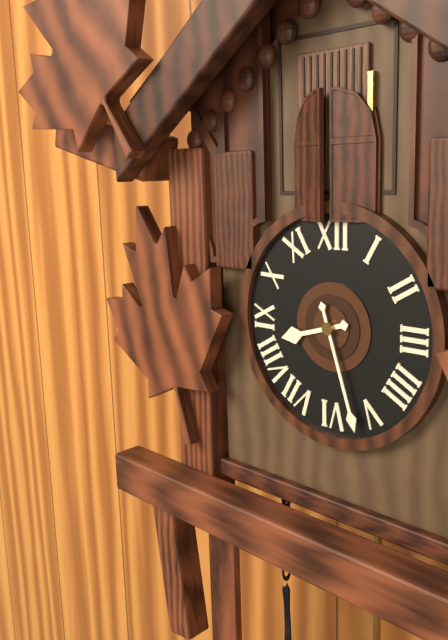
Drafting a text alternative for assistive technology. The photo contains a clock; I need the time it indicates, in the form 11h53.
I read 8h27
